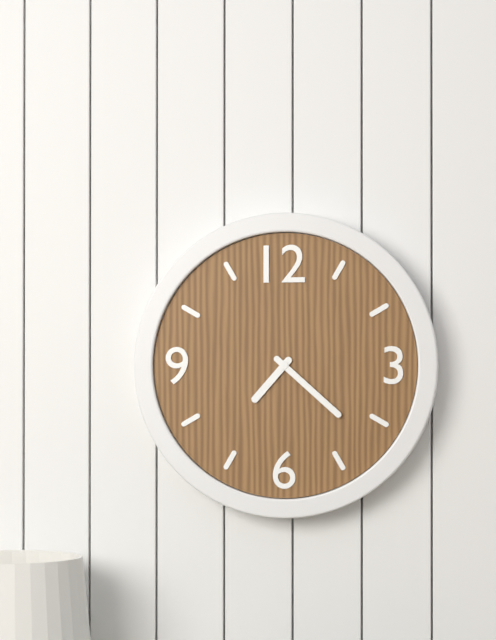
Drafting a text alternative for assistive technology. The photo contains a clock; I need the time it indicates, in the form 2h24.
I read 7h22
